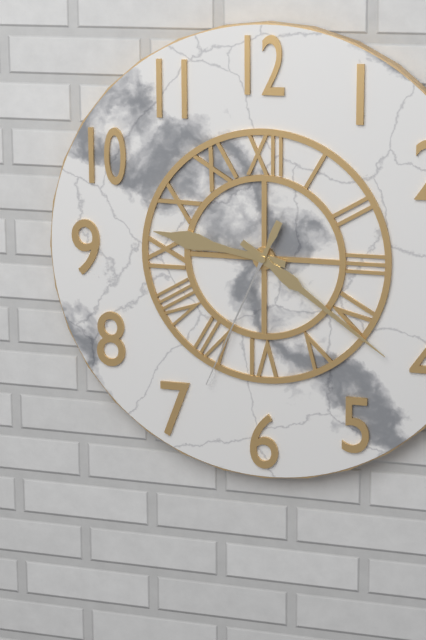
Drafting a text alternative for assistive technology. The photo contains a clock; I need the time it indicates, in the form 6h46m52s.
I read 9h21m34s
